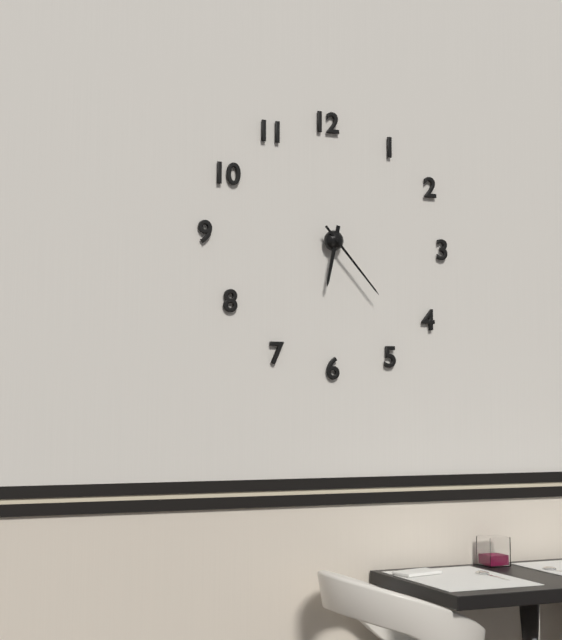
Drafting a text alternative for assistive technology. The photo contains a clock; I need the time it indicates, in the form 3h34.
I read 6h23
